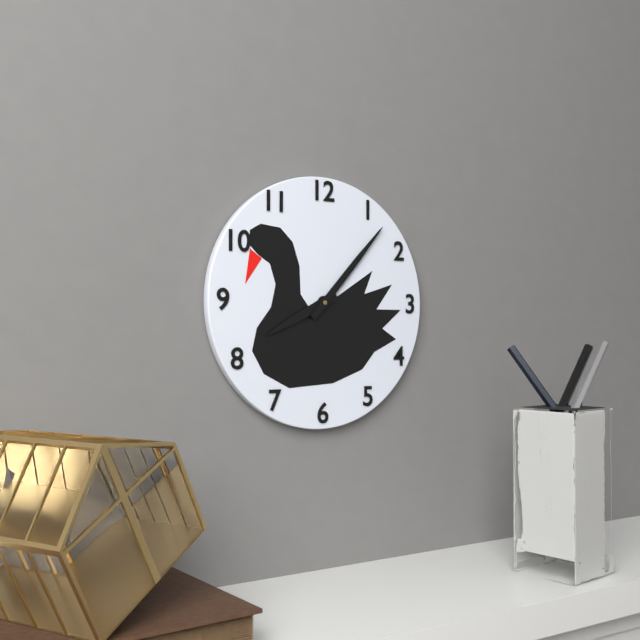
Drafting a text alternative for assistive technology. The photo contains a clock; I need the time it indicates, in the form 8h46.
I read 8h07
